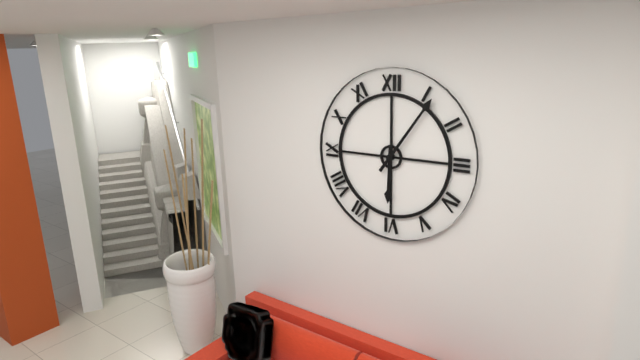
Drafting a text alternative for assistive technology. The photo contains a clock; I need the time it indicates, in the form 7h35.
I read 6h06
